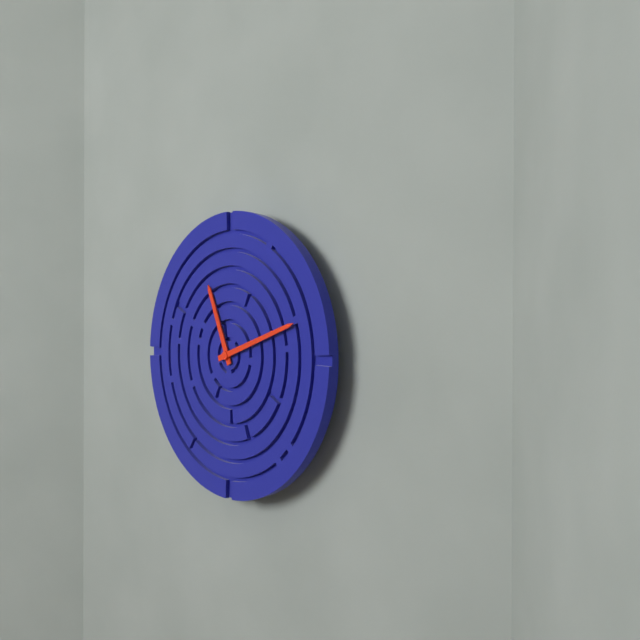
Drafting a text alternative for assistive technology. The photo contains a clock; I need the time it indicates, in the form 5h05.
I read 11h12
